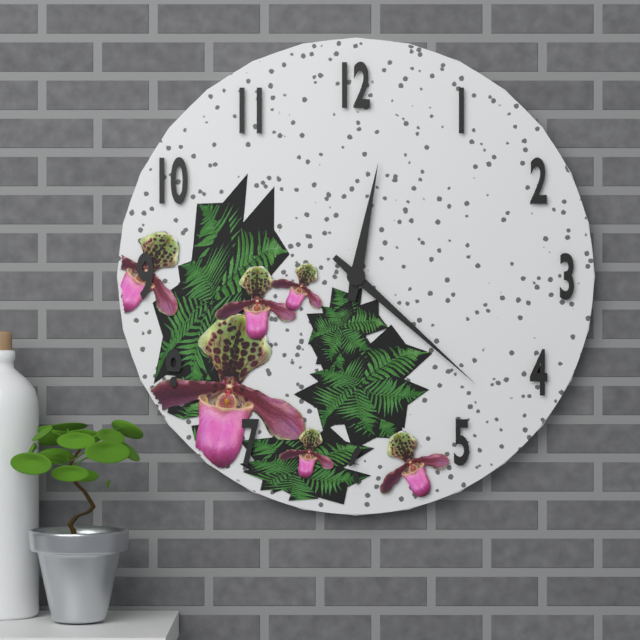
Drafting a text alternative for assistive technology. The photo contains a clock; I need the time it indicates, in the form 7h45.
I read 12h22
